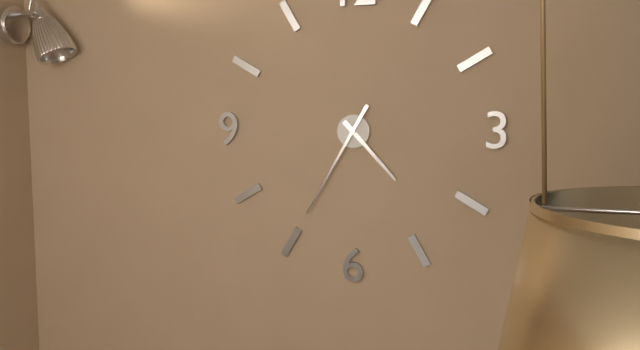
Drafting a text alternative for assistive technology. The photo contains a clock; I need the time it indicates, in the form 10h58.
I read 4h35
